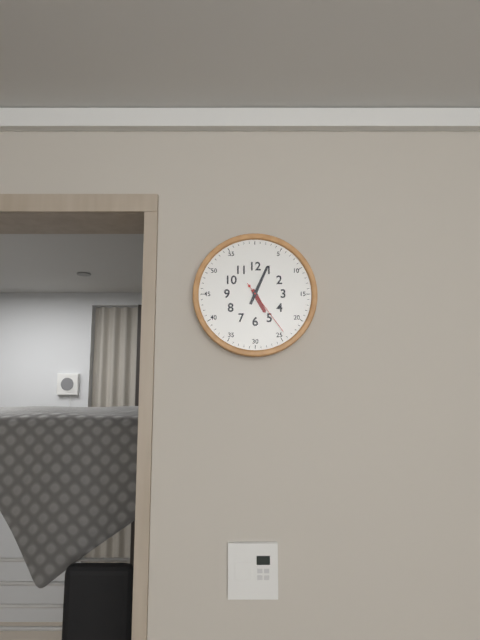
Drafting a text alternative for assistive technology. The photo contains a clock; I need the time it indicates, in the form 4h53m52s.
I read 5h04m24s
